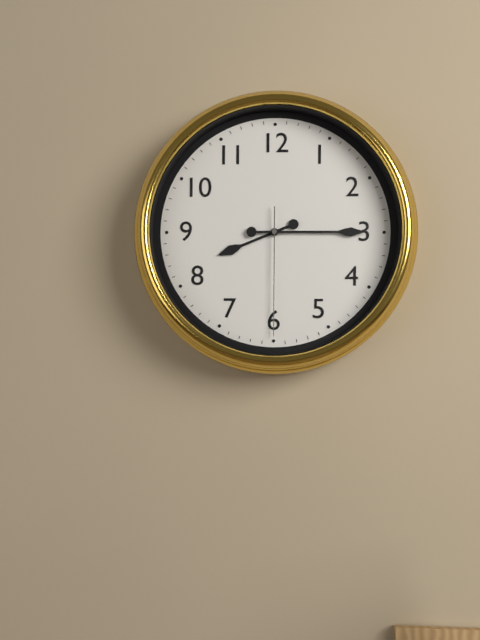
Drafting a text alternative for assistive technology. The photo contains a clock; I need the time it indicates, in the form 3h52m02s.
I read 8h15m30s
